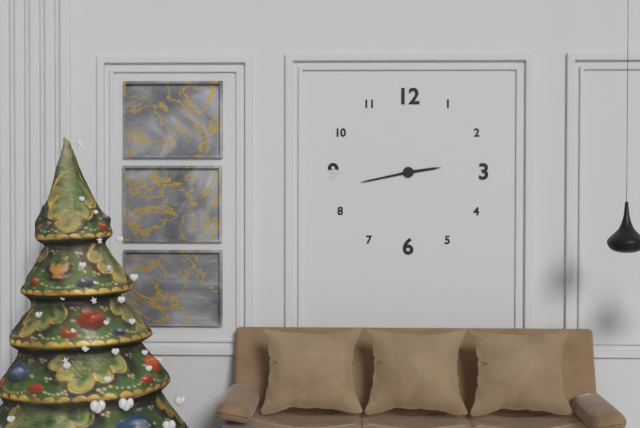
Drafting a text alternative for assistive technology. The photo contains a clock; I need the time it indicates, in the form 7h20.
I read 2h43
